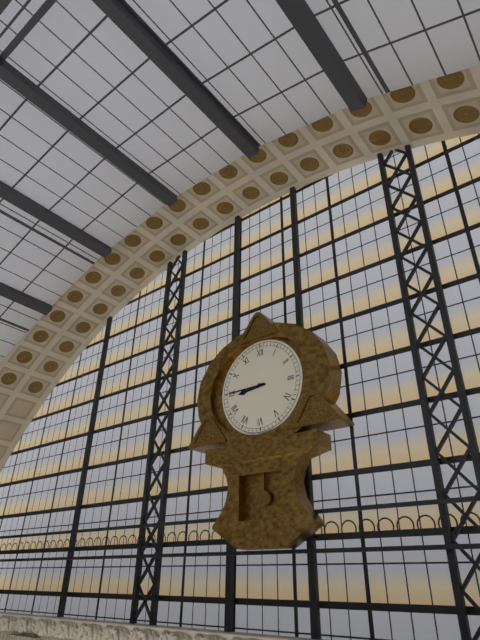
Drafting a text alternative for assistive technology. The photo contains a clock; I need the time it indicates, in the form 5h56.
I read 8h45
